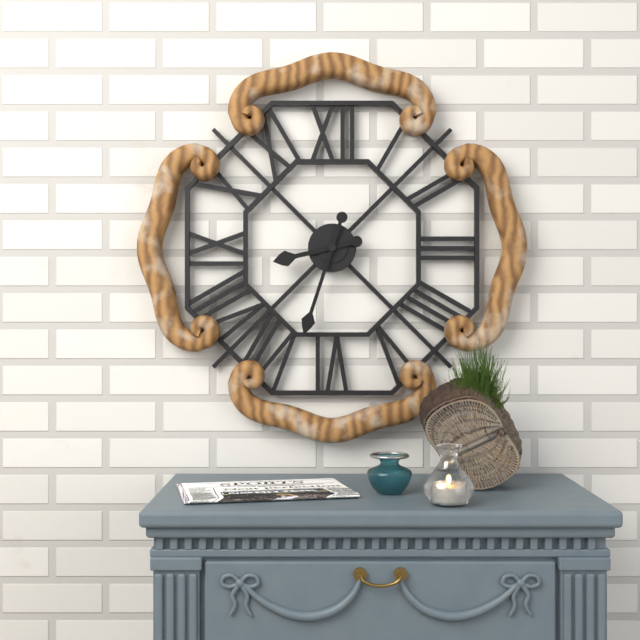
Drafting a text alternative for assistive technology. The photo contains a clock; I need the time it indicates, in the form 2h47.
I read 8h33
